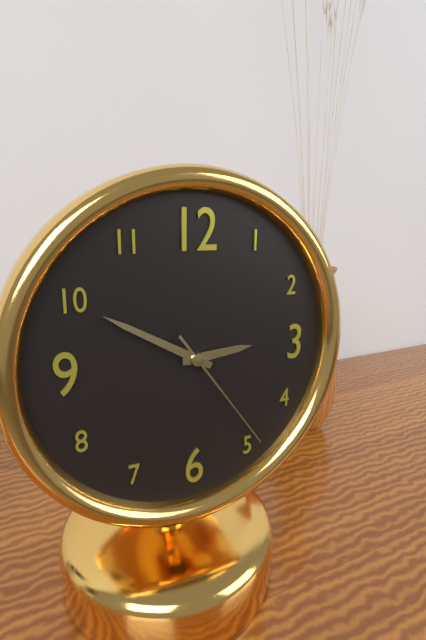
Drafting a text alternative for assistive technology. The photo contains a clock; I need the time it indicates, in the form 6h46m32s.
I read 2h50m24s
